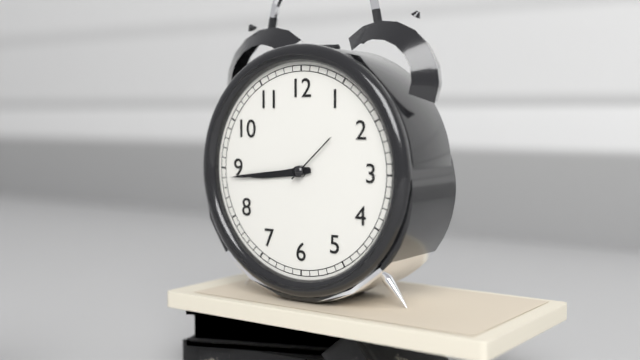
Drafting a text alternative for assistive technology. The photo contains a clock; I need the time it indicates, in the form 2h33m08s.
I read 8h44m08s
